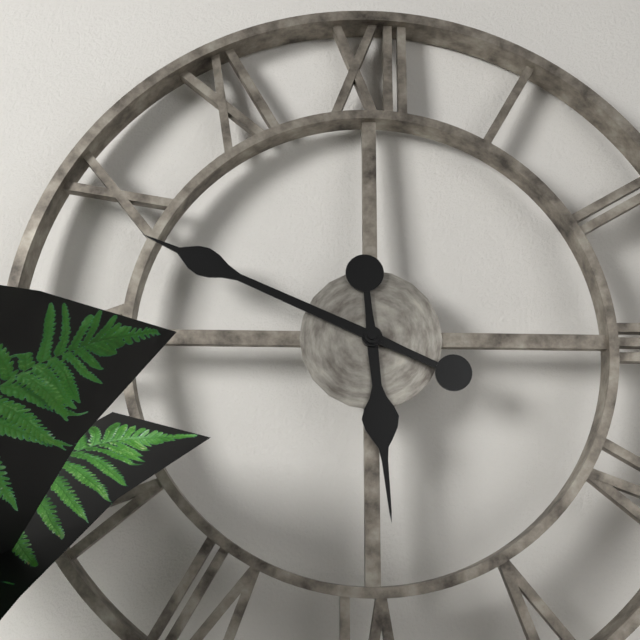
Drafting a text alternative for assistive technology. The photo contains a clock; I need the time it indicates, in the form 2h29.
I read 5h49
